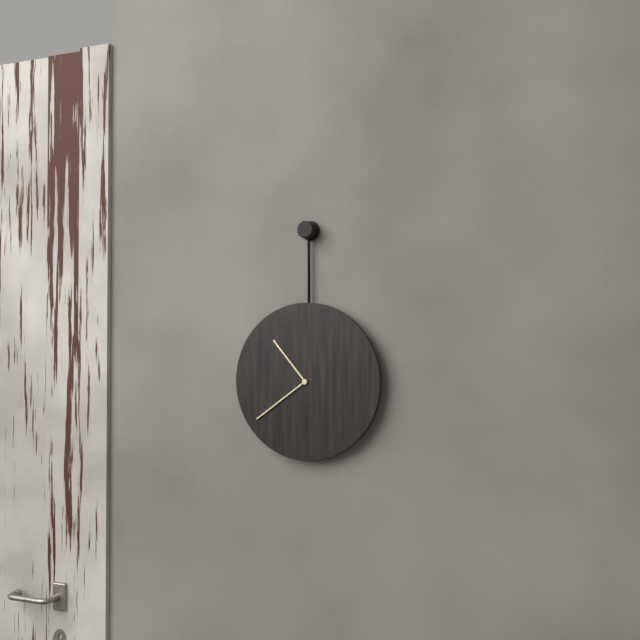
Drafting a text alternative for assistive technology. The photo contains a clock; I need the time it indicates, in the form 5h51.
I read 10h39
